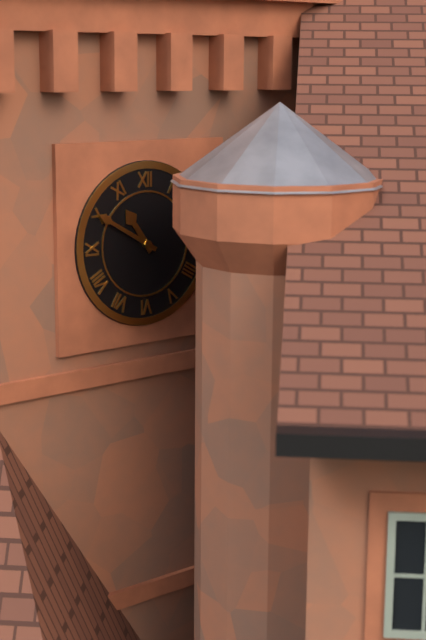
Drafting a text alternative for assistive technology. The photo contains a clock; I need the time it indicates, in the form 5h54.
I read 10h50
